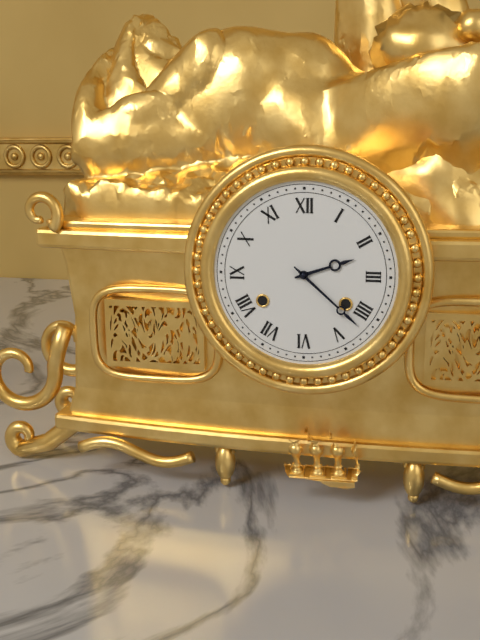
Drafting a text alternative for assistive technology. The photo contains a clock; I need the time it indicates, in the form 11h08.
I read 2h22
